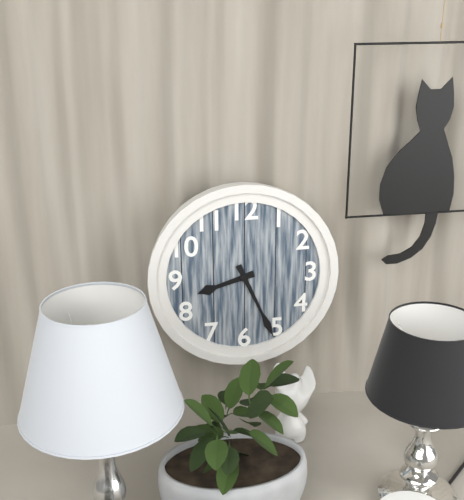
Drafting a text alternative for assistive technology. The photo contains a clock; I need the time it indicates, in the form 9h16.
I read 8h26
